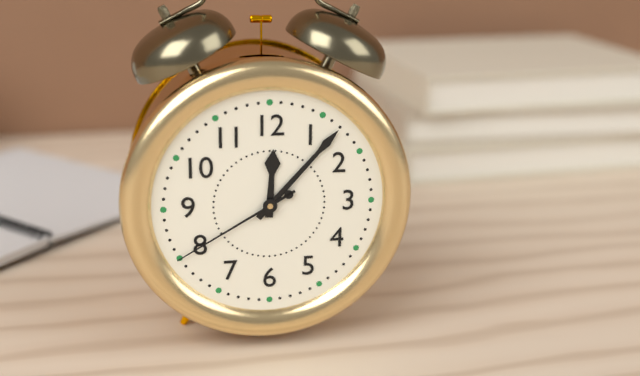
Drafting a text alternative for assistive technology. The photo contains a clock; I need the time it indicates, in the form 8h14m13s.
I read 12h07m40s
